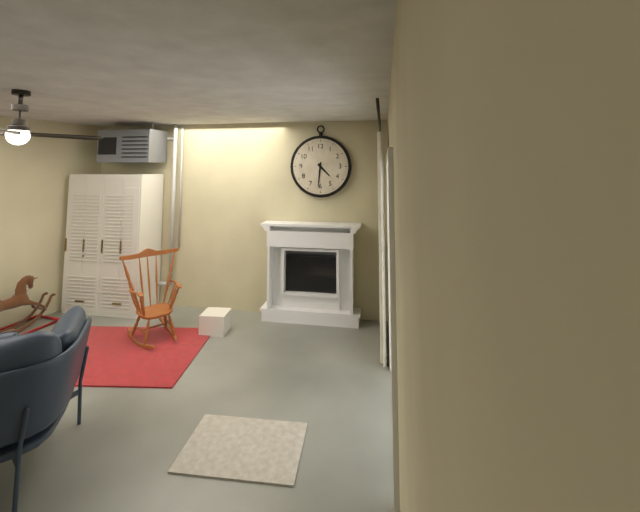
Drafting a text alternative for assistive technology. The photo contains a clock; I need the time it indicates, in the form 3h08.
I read 4h31
